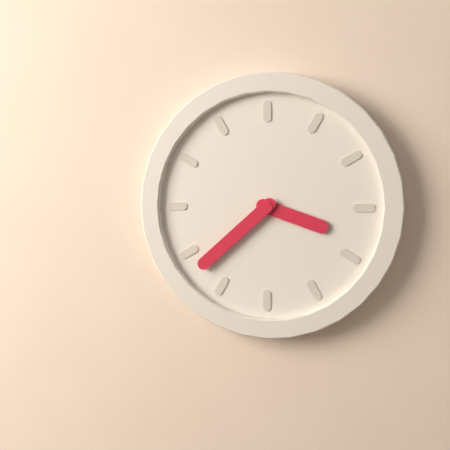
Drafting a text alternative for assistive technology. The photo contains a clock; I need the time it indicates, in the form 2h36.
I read 3h38
